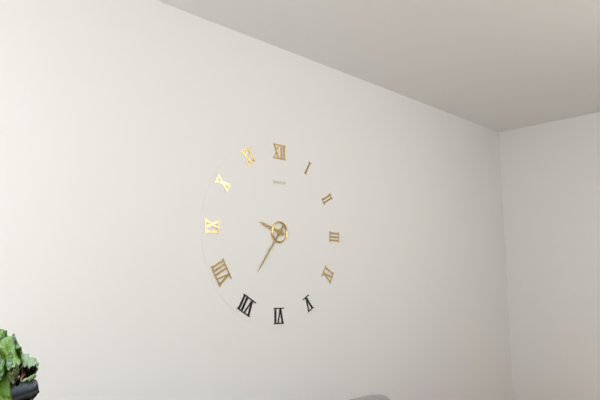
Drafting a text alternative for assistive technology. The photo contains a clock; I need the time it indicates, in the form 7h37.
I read 9h36
